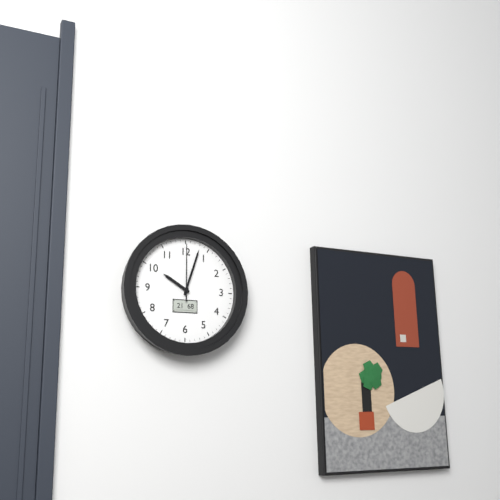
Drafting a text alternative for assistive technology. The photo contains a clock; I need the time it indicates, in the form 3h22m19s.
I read 10h03m00s
